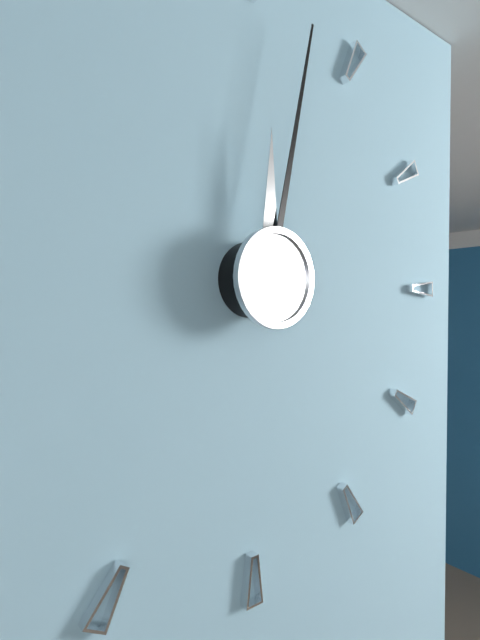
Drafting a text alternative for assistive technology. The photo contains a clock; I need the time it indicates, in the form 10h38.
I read 12h02
